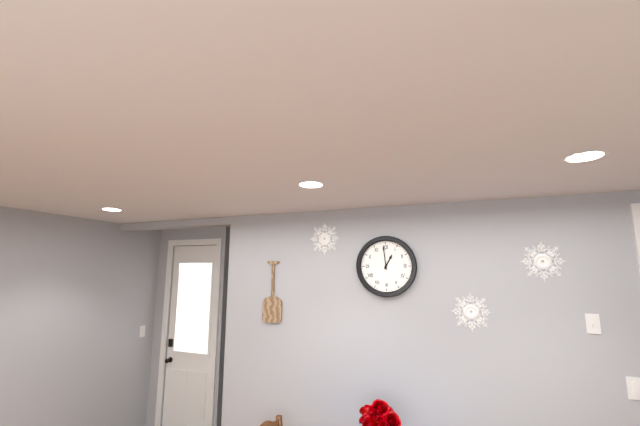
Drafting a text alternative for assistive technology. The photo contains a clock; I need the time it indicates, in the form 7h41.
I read 12h59
